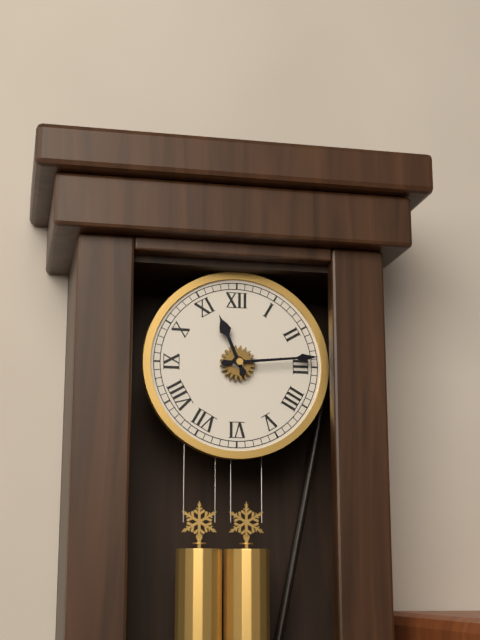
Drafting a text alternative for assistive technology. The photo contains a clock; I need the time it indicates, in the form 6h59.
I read 11h14
